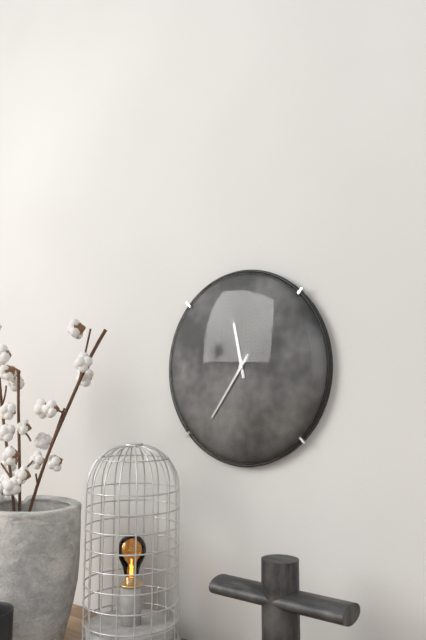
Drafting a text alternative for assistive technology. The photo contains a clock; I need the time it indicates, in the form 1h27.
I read 11h36
